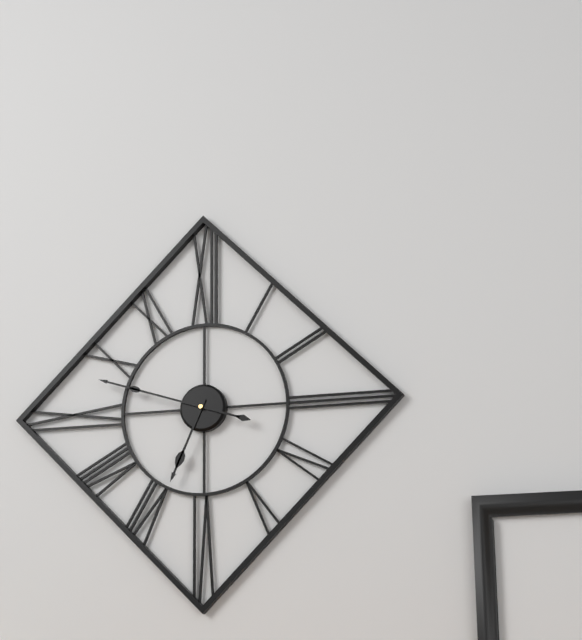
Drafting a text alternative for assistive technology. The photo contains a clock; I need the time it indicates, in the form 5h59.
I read 6h48
